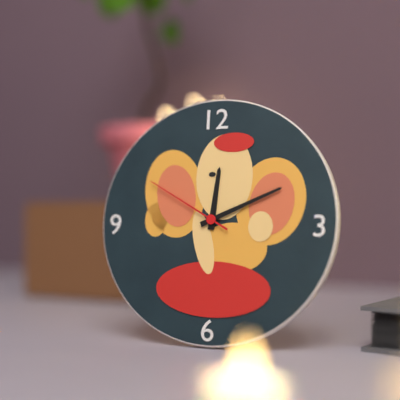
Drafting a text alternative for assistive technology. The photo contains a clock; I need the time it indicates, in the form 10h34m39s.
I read 12h11m50s
